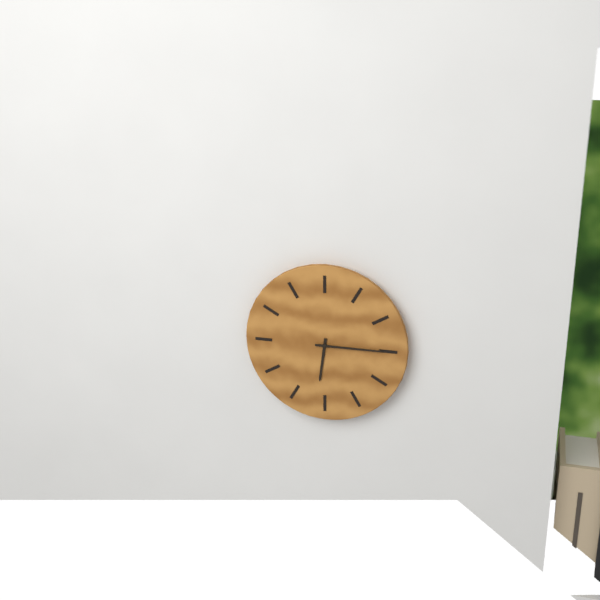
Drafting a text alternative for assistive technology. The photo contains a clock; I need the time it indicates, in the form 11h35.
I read 6h15
